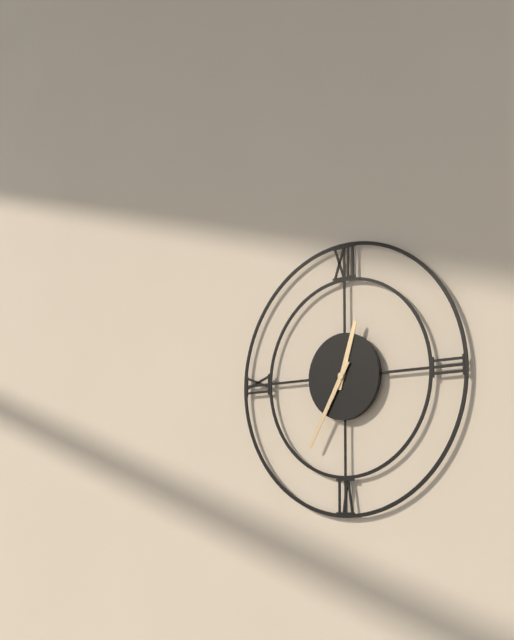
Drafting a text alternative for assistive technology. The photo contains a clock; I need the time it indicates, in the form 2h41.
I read 12h35
